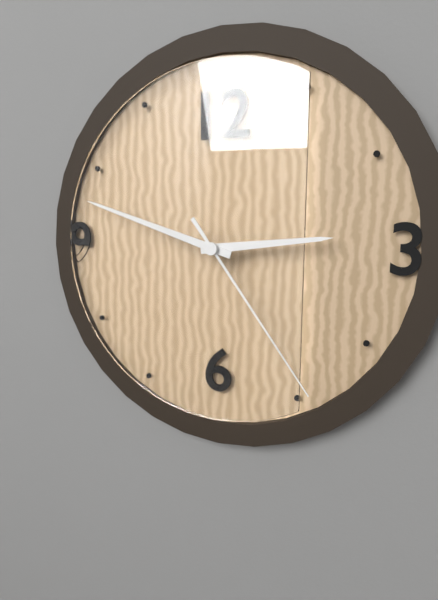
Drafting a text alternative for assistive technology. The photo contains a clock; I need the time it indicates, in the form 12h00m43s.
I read 2h48m24s
